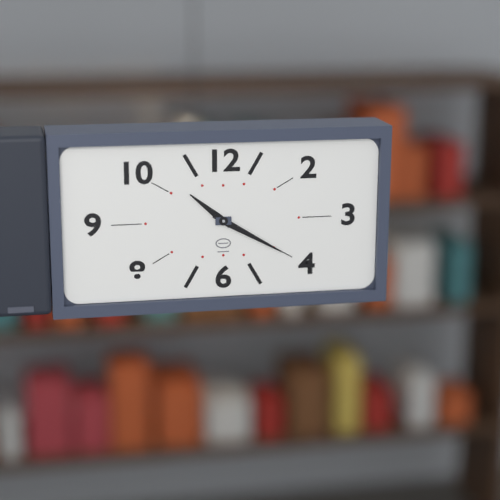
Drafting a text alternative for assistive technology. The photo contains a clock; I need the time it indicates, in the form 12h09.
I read 10h20
